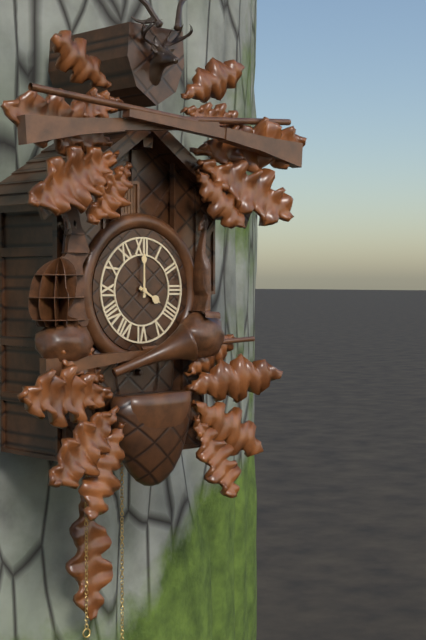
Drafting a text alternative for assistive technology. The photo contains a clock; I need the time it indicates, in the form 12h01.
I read 4h00
